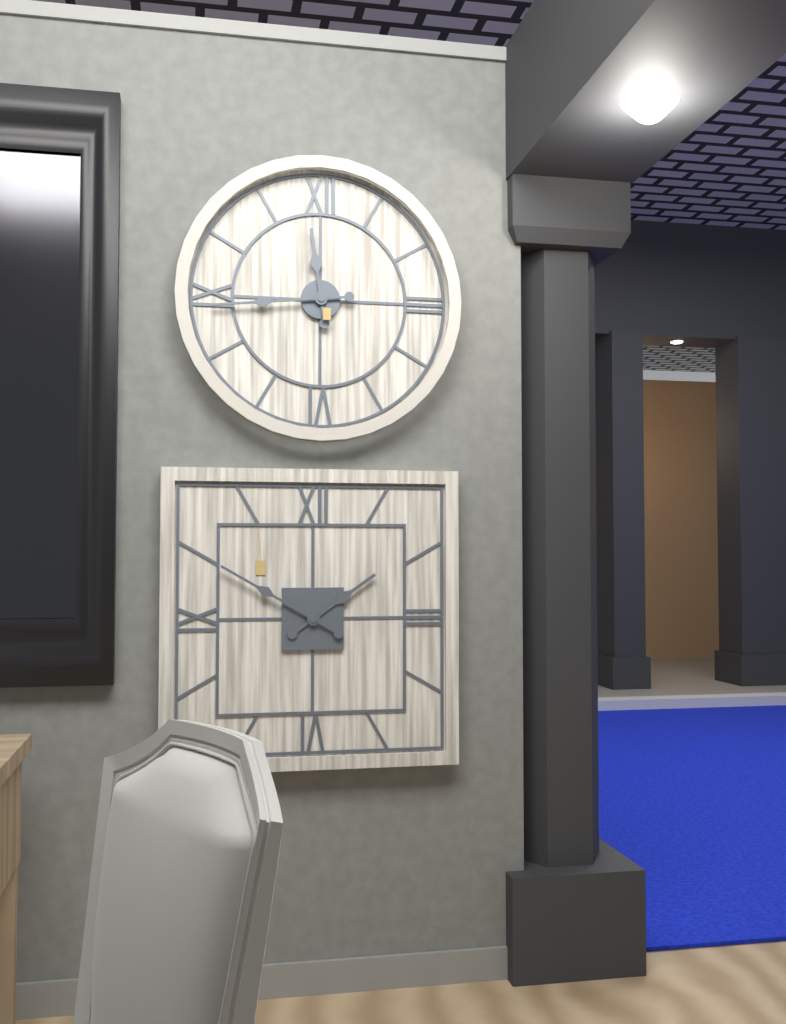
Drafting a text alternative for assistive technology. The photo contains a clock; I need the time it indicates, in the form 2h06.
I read 11h44
